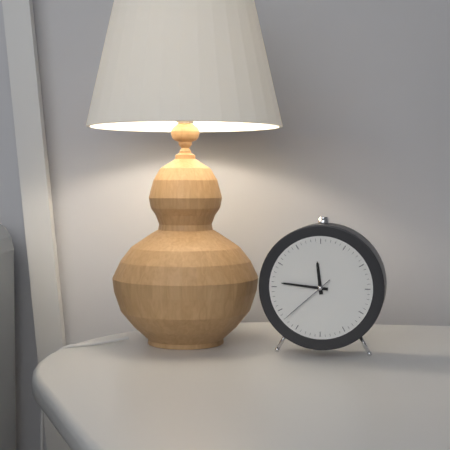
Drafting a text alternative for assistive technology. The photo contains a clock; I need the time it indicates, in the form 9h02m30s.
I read 11h46m38s
